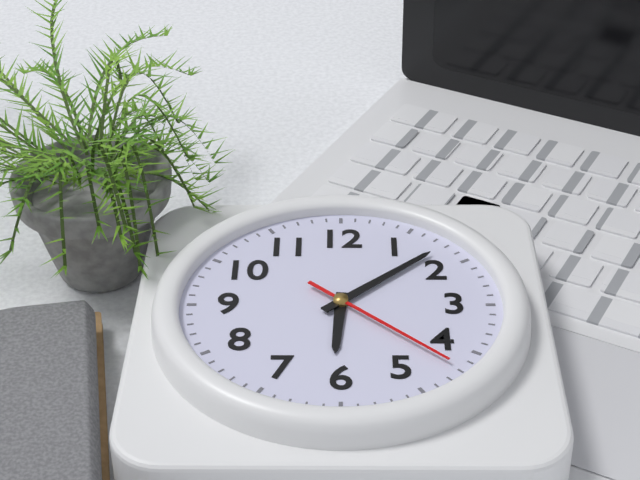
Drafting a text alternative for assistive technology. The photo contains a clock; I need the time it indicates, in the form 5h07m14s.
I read 6h08m22s
